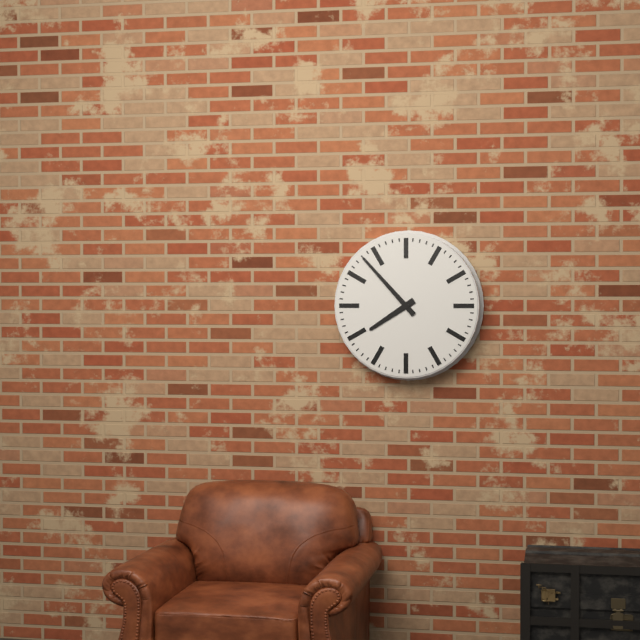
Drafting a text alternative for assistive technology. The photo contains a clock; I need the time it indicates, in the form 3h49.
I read 7h53
